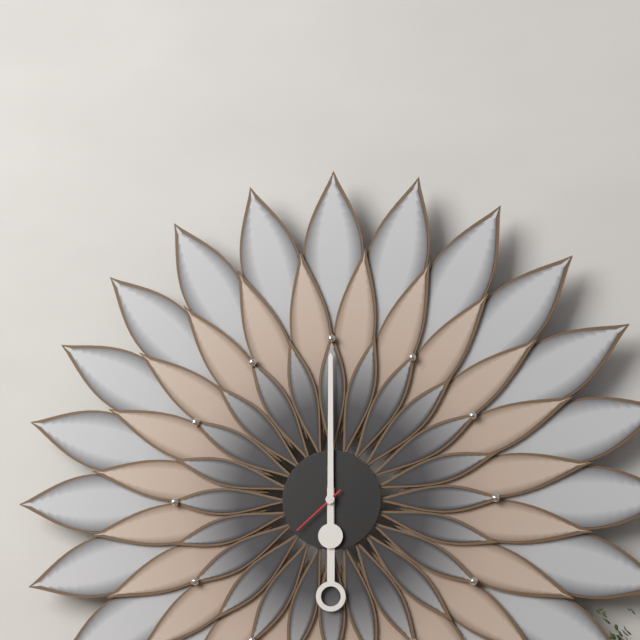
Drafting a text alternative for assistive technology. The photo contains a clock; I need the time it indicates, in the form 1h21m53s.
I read 6h00m38s
